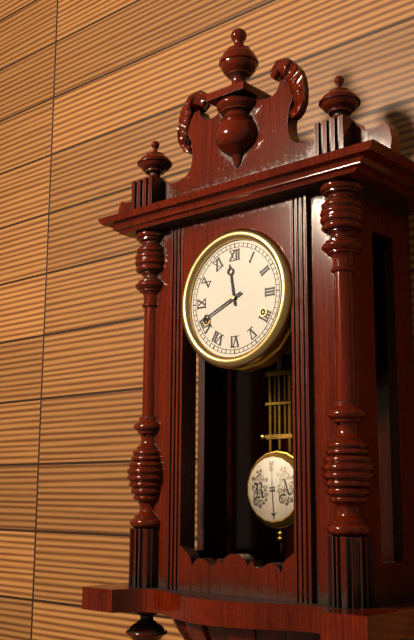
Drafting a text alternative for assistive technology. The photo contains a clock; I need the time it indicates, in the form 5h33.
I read 11h41
